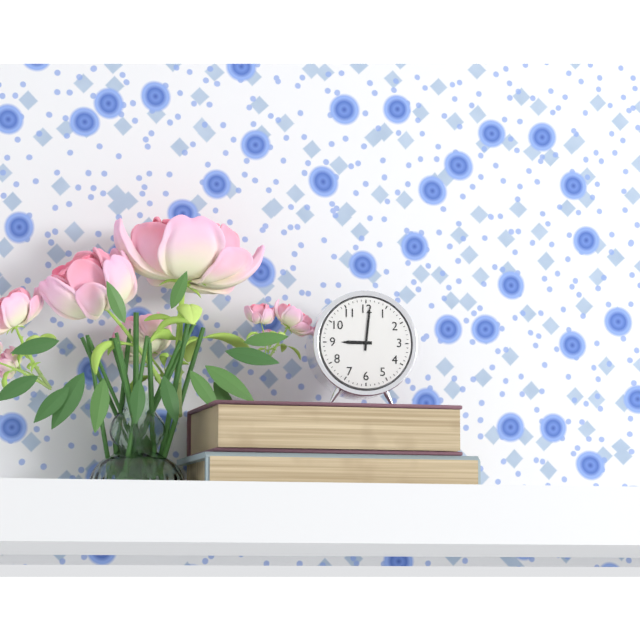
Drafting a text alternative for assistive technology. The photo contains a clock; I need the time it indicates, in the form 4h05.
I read 9h01
